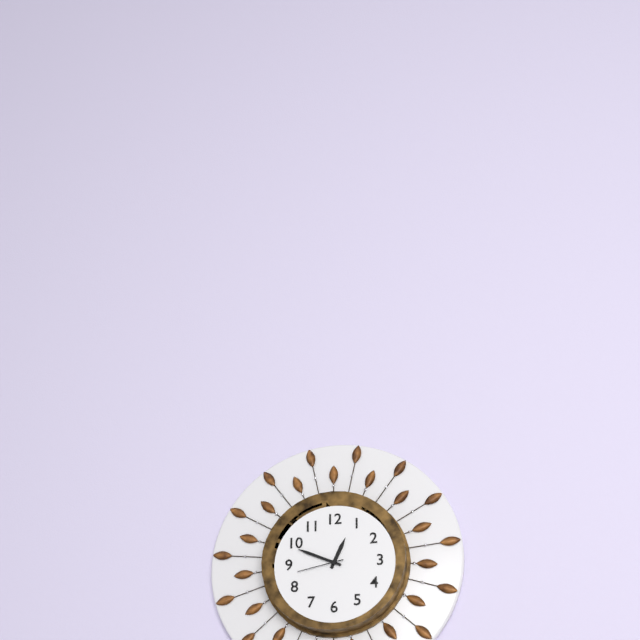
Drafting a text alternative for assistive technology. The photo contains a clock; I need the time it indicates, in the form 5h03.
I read 12h49
